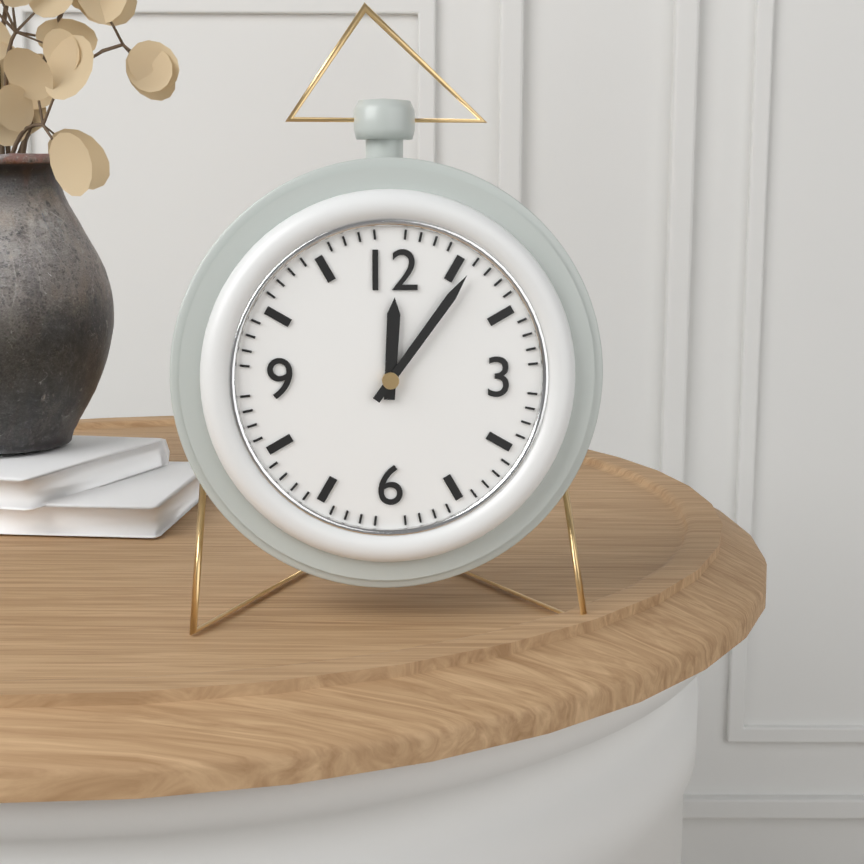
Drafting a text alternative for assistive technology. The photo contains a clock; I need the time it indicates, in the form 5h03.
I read 12h06
